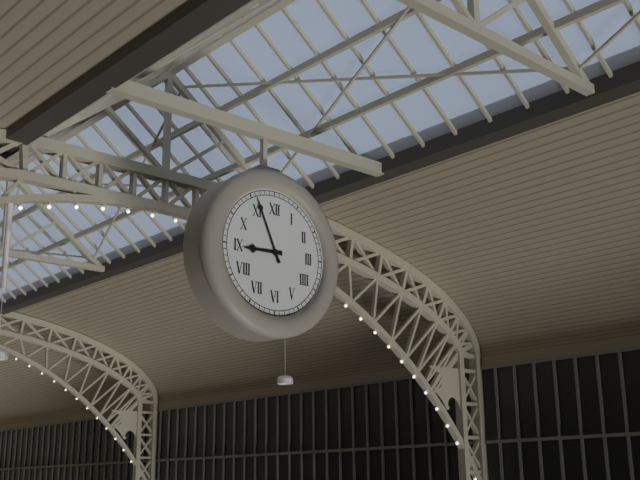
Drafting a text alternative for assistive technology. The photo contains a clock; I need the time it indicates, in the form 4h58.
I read 8h56
